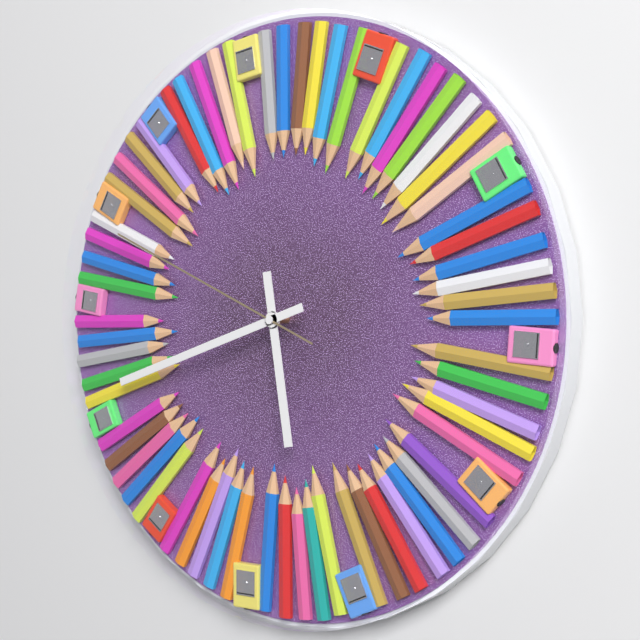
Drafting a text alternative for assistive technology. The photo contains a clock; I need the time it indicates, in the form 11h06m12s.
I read 5h42m49s
